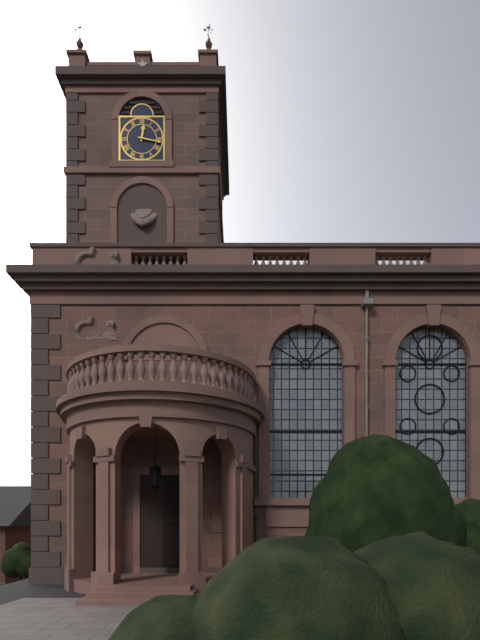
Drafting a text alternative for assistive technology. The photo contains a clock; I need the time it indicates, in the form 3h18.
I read 12h17
